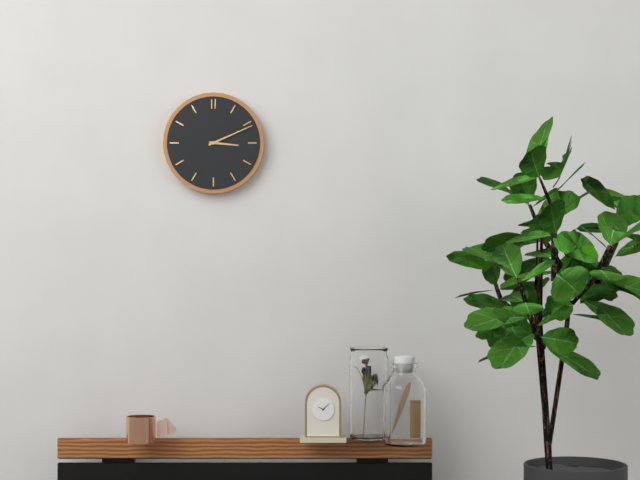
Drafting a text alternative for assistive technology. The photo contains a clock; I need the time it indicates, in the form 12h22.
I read 3h11
